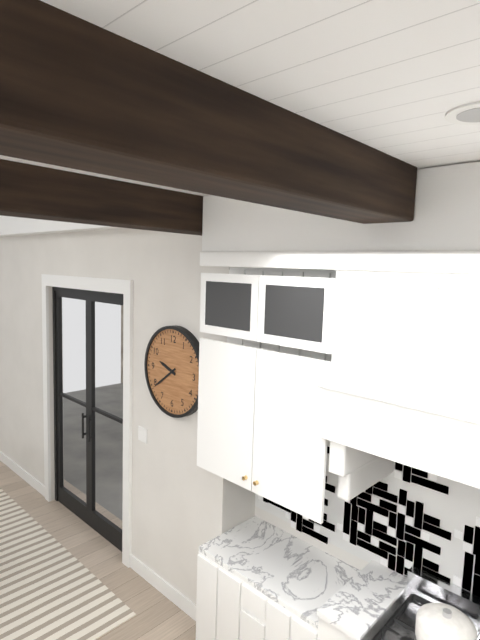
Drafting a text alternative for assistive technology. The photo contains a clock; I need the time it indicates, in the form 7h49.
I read 9h39
